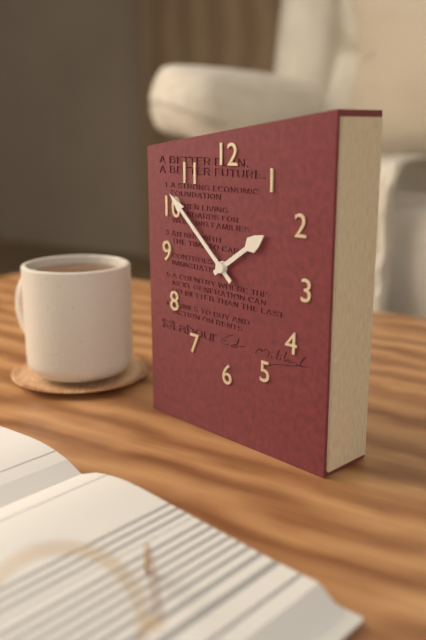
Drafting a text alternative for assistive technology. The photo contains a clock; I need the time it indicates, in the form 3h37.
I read 1h52
